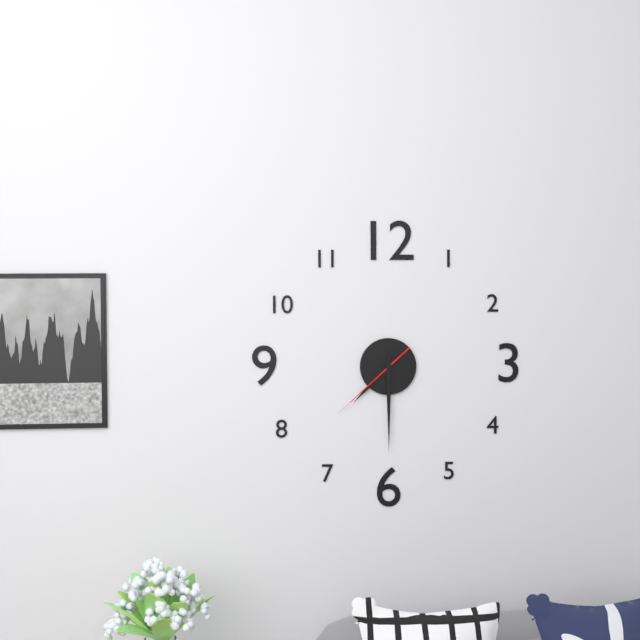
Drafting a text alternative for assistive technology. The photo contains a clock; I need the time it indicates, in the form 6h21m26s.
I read 7h30m38s
